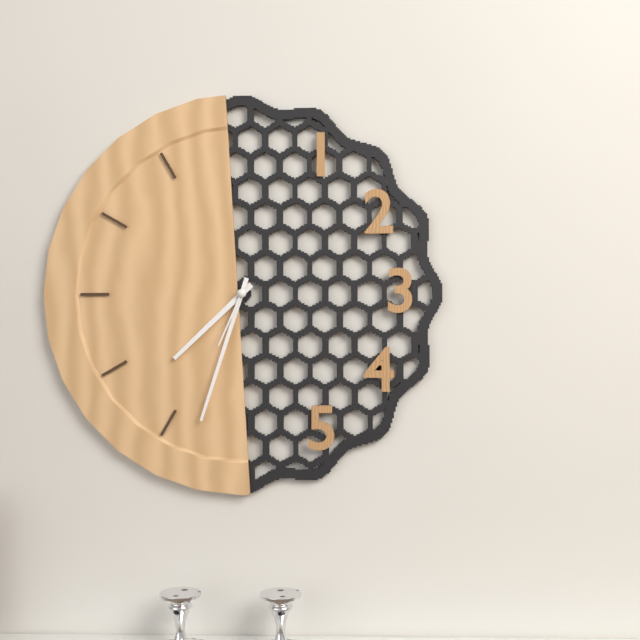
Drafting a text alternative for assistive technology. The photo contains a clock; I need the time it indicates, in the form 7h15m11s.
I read 7h33m34s
